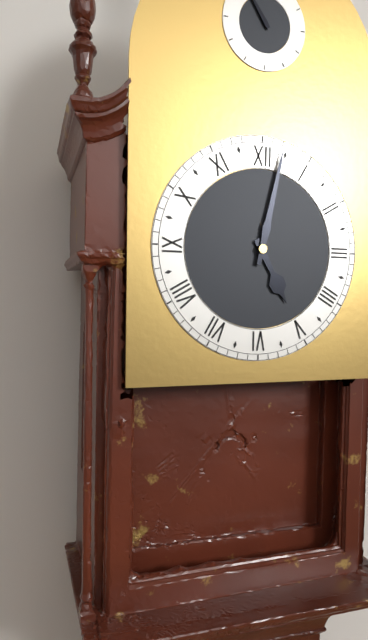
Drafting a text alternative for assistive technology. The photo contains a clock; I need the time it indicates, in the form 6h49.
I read 5h02
